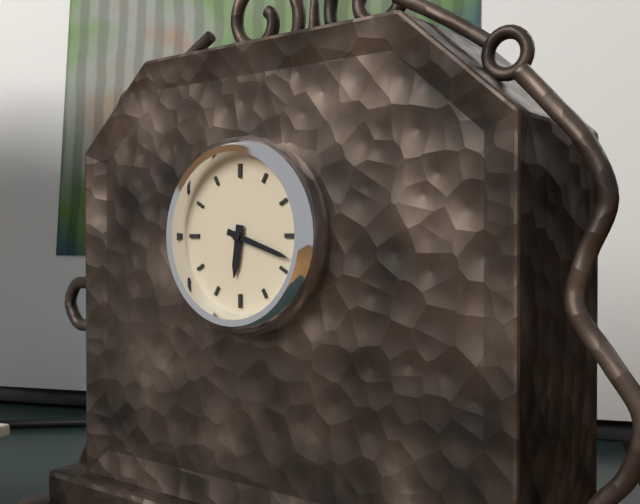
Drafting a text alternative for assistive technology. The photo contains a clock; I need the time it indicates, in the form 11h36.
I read 6h18
